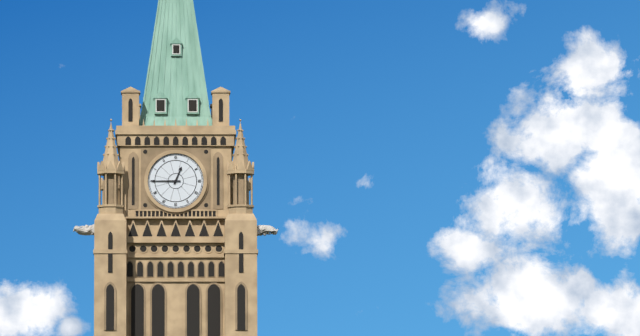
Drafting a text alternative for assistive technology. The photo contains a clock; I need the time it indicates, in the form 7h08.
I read 12h45
